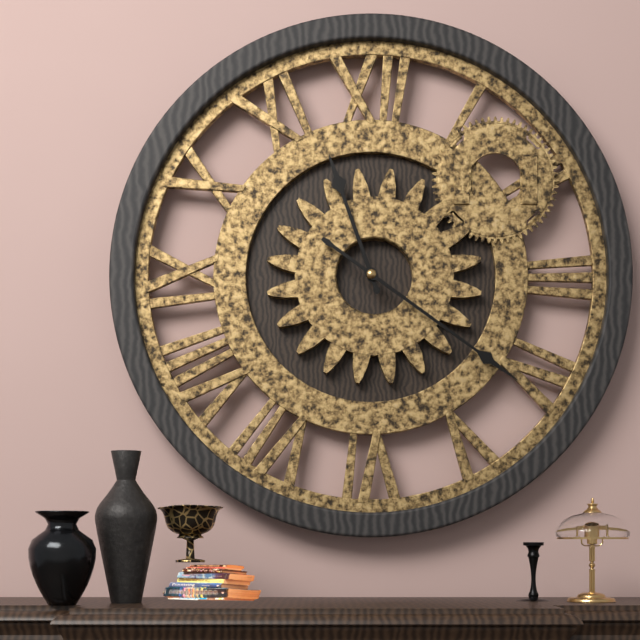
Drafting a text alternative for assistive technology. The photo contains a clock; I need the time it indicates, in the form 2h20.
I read 11h21
